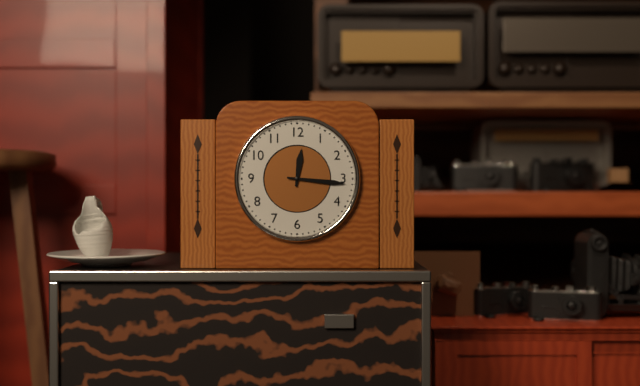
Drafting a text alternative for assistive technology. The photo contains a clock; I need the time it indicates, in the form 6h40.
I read 12h16
